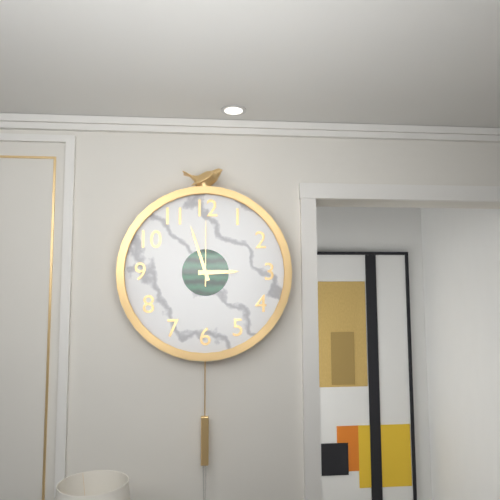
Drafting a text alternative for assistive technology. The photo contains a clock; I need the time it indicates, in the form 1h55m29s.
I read 2h57m00s
